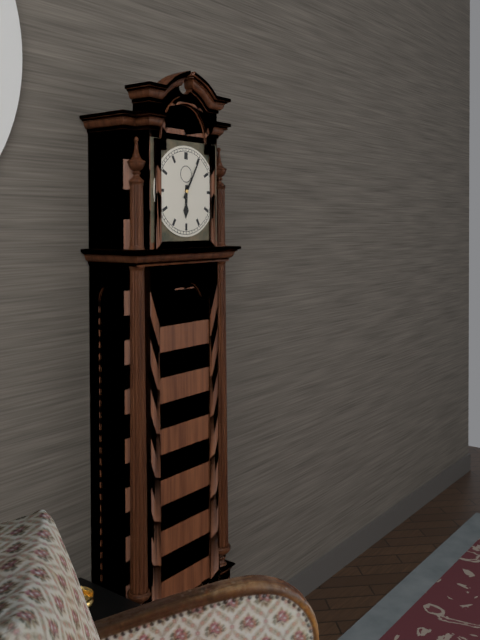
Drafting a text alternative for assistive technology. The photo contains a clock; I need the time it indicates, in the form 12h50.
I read 6h05
